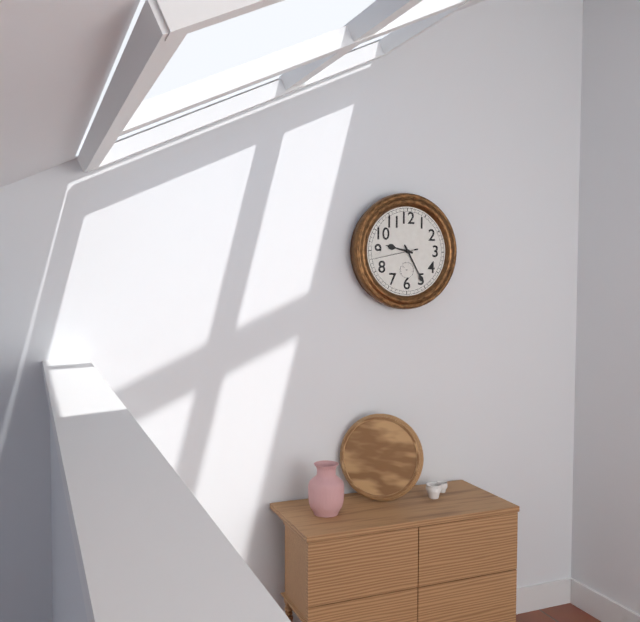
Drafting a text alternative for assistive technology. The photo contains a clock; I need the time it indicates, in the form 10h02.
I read 9h25
